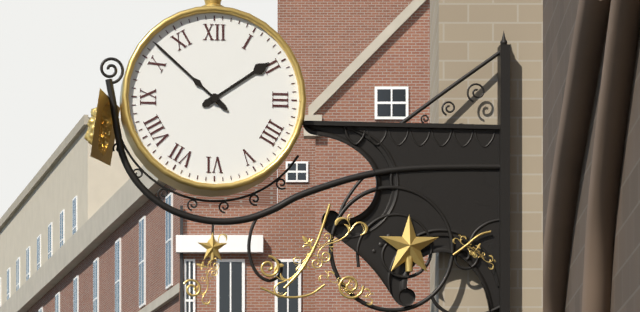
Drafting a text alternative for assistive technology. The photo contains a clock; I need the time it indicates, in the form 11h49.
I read 1h52
